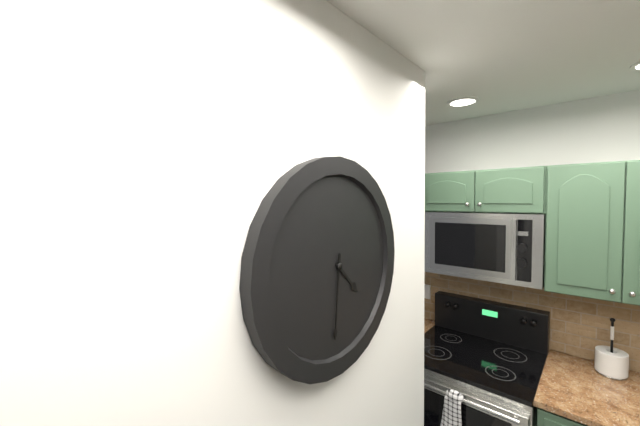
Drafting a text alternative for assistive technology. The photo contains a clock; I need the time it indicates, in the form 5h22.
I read 4h31
